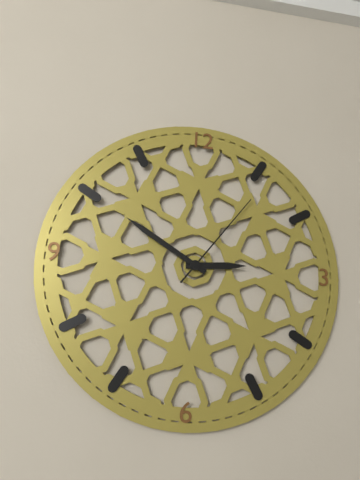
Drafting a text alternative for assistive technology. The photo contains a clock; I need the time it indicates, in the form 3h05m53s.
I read 2h50m06s
